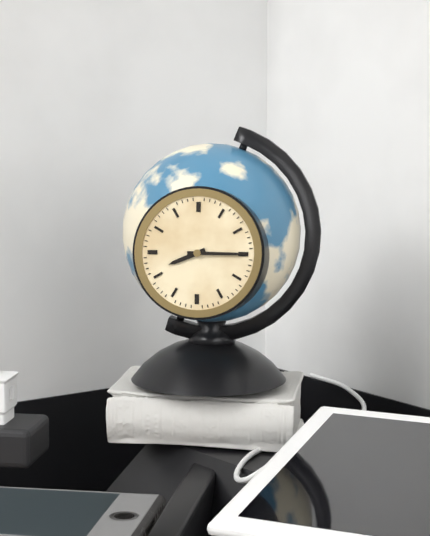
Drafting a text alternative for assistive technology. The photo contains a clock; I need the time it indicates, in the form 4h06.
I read 8h15
